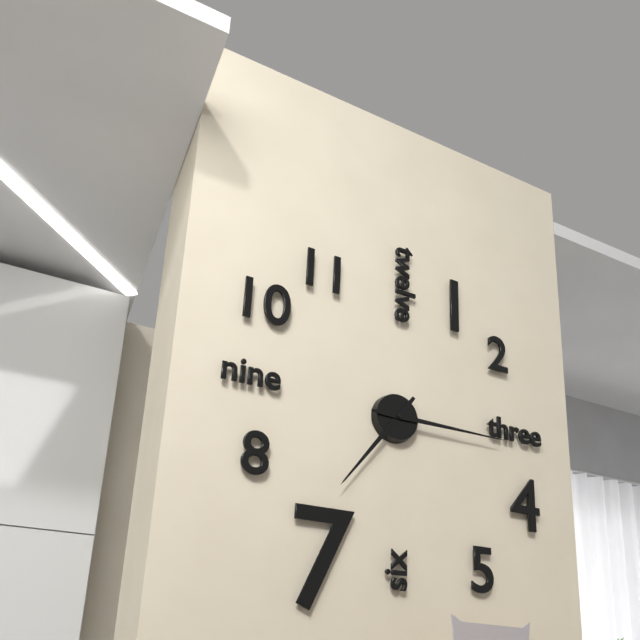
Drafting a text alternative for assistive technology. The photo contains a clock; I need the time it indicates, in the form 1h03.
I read 7h15
